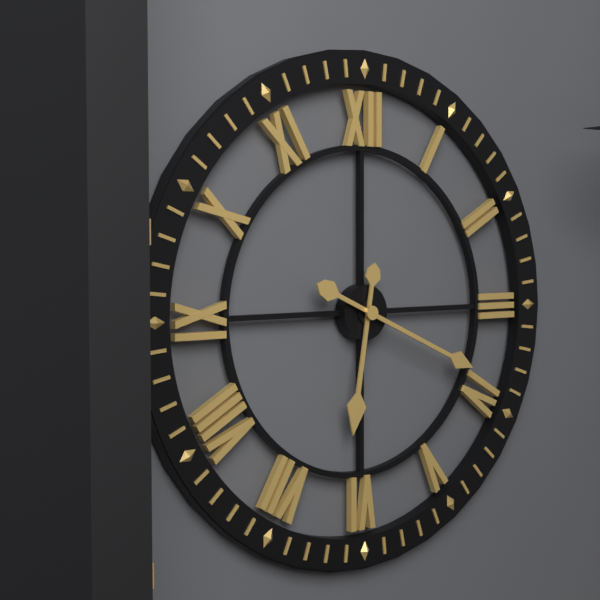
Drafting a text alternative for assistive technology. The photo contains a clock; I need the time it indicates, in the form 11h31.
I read 6h19
